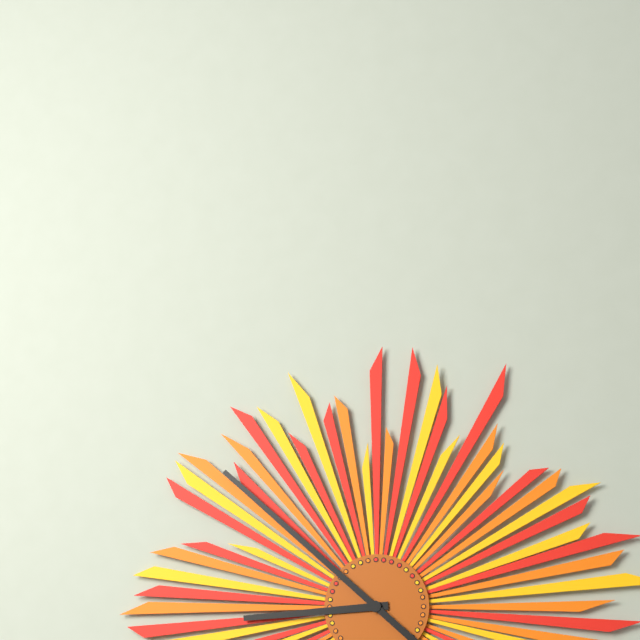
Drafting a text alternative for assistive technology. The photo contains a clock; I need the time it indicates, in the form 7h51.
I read 8h52
